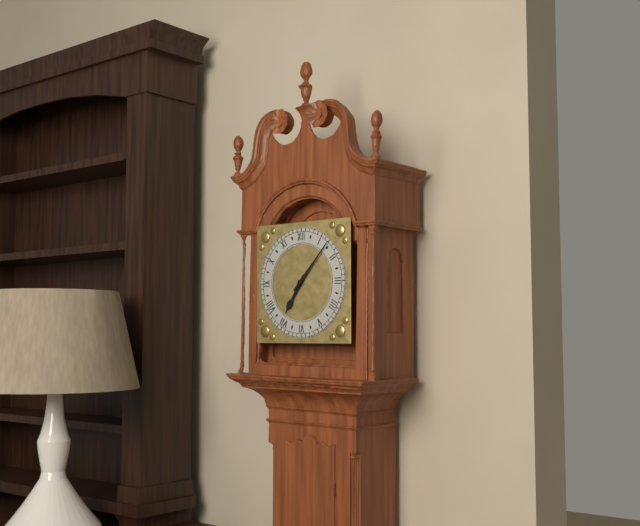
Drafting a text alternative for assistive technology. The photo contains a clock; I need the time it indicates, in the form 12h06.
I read 7h07
